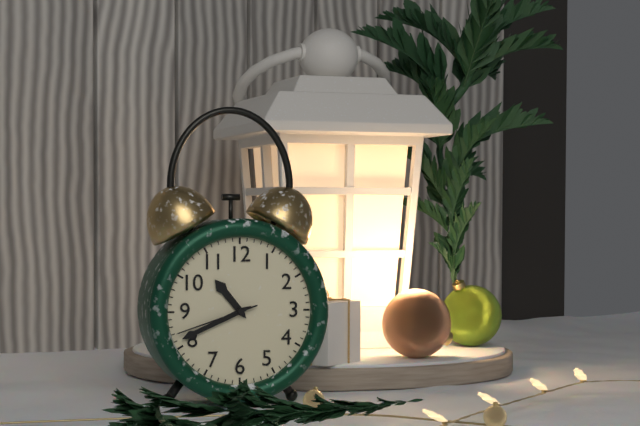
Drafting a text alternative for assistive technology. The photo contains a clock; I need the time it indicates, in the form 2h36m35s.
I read 10h41m42s
